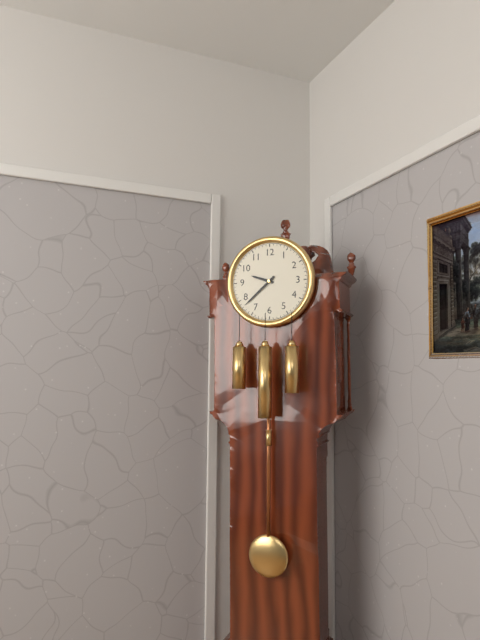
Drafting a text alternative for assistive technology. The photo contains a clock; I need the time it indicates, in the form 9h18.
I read 9h38
